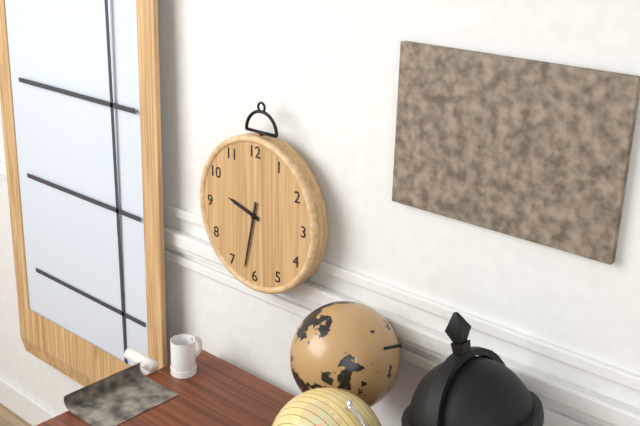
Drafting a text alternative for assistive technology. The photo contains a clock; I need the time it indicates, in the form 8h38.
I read 9h32
